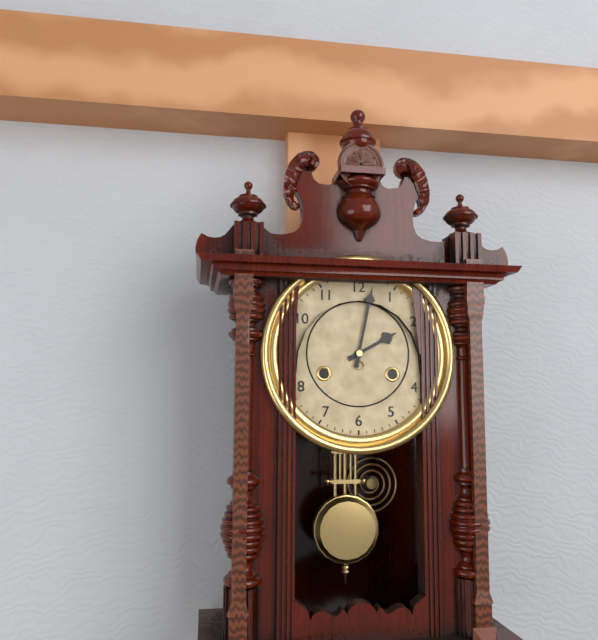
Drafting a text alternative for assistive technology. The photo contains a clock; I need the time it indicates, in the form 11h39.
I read 2h02
